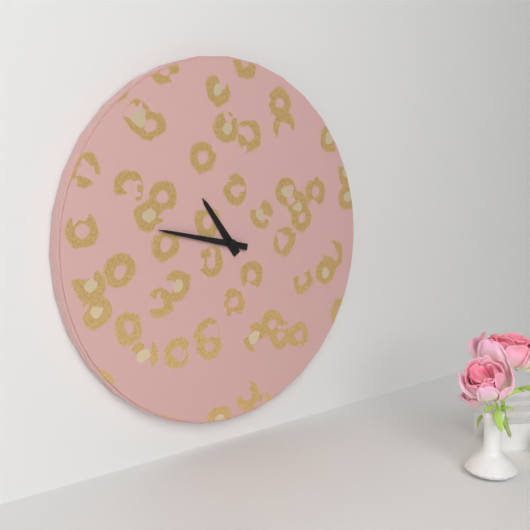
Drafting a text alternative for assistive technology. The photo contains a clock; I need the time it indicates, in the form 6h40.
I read 10h47
